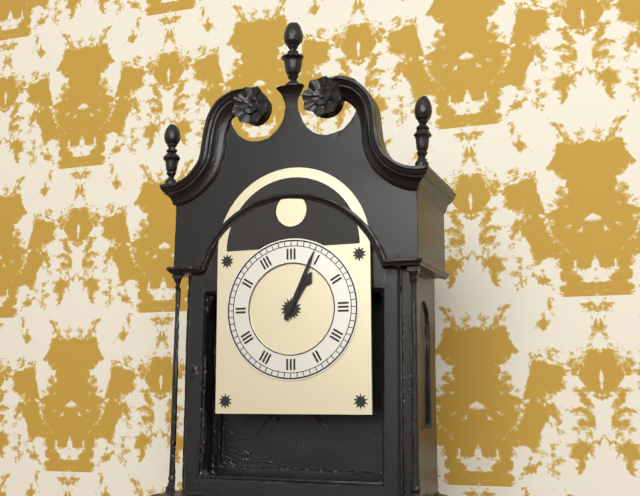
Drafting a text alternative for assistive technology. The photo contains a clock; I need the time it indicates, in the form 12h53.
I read 1h04
